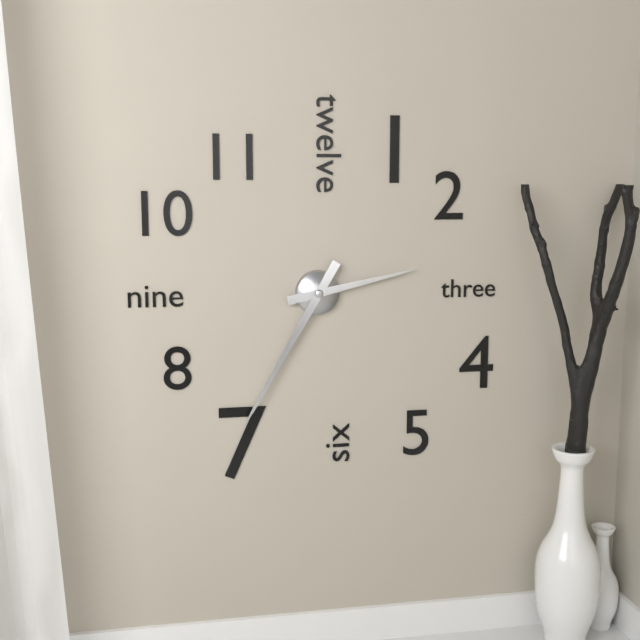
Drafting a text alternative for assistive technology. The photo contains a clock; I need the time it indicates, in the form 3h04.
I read 2h35
